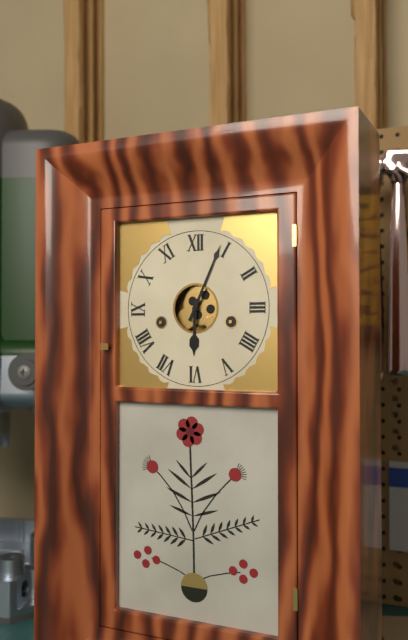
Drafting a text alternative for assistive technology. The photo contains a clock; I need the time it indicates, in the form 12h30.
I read 6h04
